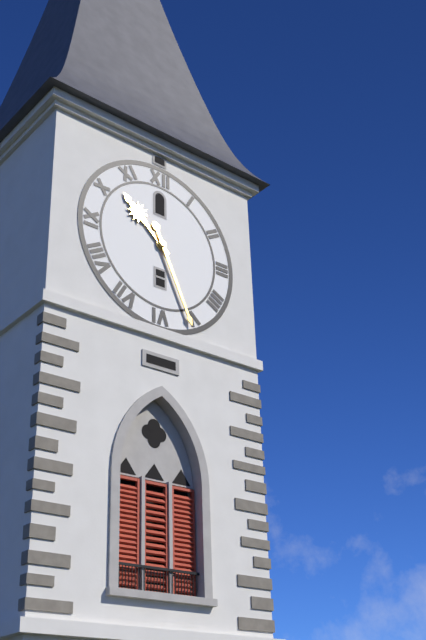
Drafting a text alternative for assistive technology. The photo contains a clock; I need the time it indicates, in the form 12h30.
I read 10h26
